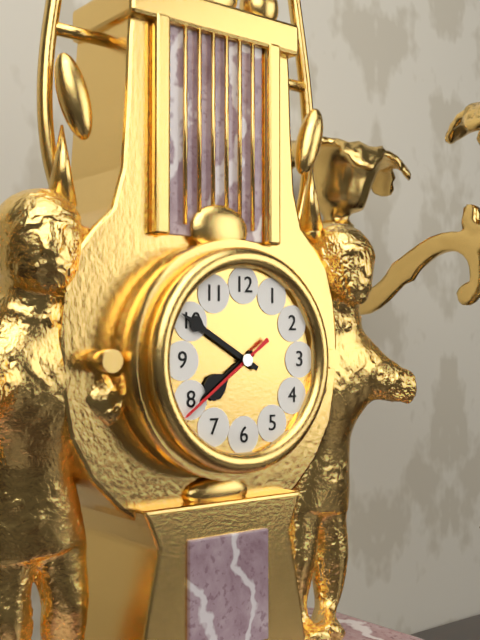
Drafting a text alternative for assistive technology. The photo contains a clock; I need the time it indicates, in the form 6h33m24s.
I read 7h50m39s
